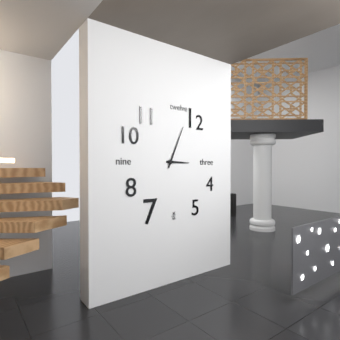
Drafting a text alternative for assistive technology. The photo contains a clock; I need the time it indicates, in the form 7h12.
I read 3h04
